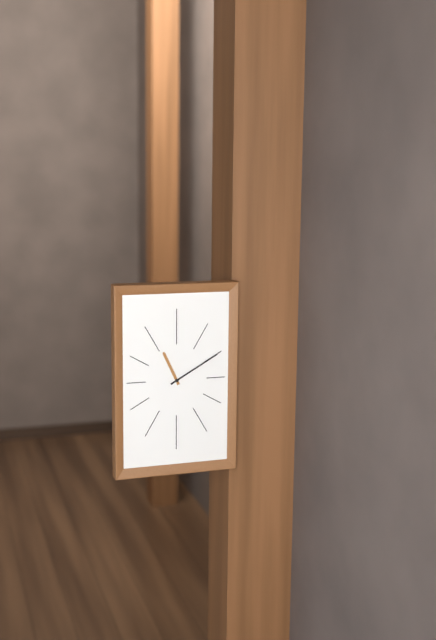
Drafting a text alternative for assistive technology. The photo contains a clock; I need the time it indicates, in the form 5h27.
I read 11h10
